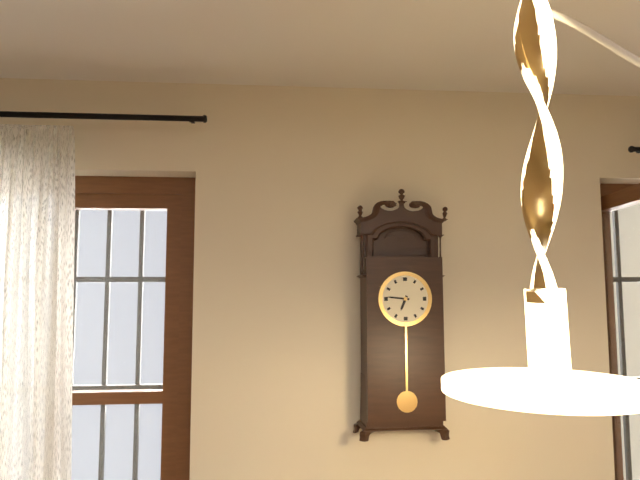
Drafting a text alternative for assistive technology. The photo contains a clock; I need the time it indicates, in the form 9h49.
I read 6h46
